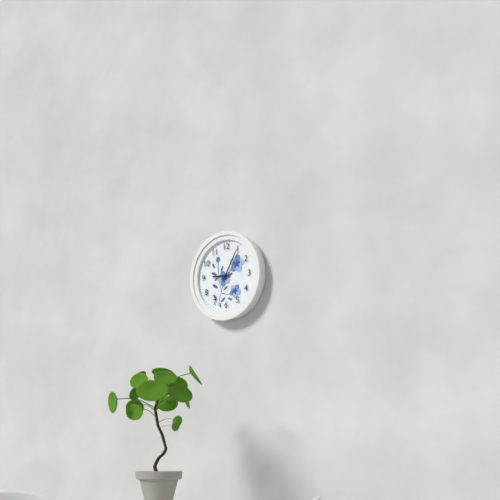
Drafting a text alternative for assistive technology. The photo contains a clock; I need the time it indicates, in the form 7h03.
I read 9h05
